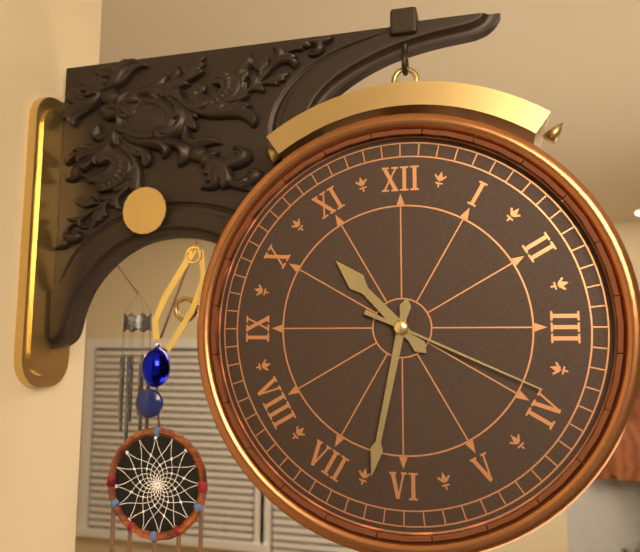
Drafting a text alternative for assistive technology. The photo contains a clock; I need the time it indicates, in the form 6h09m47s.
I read 10h32m19s
